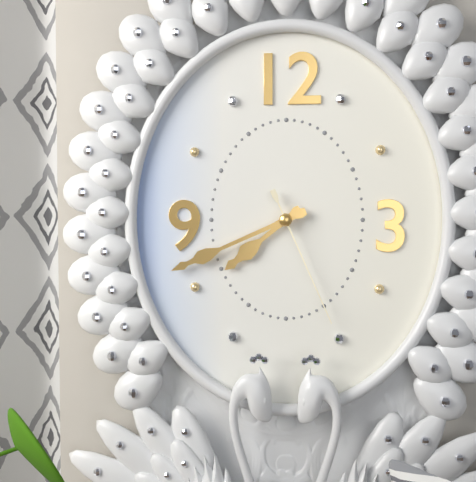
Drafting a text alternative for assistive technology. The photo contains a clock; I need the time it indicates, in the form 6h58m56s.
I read 7h41m26s
